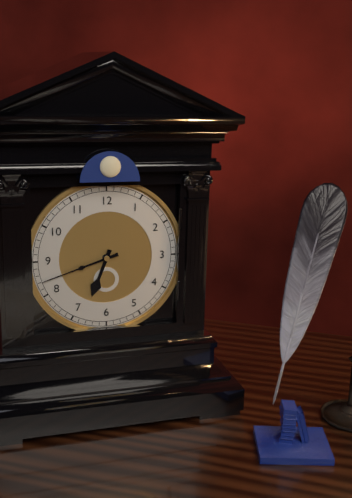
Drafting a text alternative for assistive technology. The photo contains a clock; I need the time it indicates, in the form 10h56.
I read 6h42
